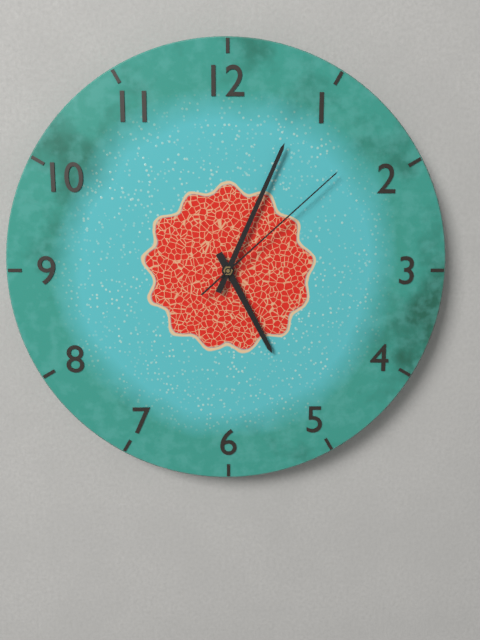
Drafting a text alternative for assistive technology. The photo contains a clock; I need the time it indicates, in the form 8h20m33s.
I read 5h04m08s
